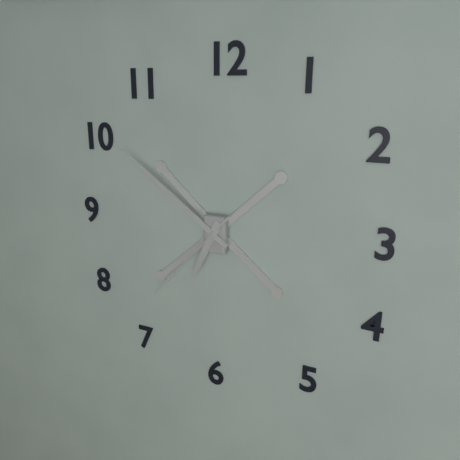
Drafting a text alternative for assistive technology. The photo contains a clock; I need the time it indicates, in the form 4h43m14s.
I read 6h51m37s
